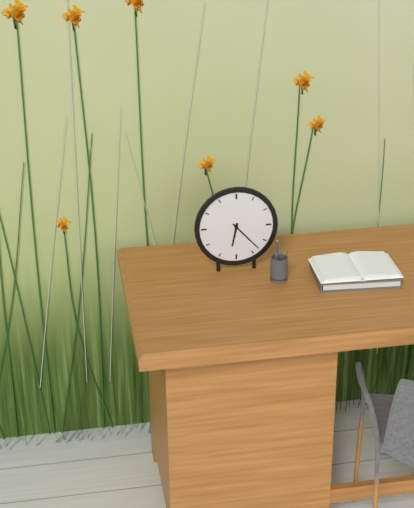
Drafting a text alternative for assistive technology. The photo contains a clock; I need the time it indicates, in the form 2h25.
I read 6h23
